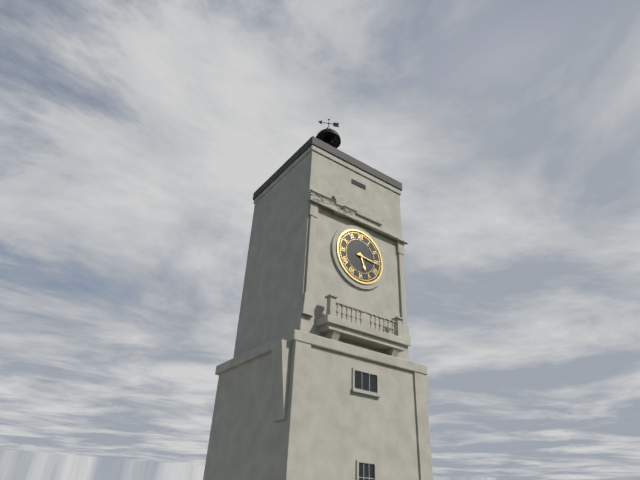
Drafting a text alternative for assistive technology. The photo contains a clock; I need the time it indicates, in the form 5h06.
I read 5h16
